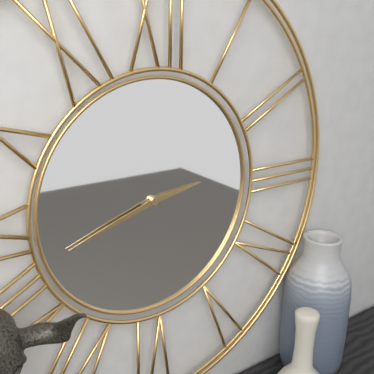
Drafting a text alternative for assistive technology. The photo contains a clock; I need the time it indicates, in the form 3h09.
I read 2h42
